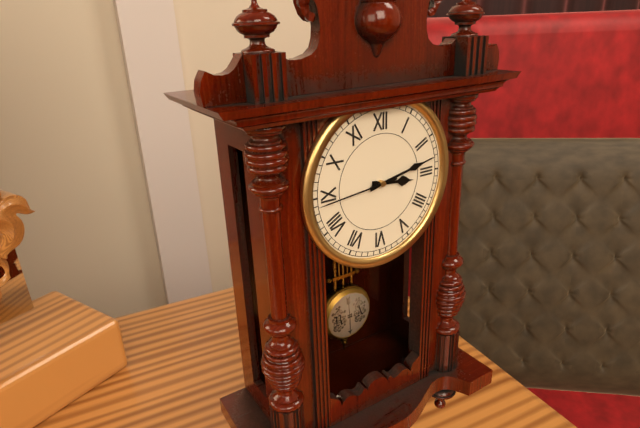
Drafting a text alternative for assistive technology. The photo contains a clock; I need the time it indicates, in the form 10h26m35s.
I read 3h13m44s
